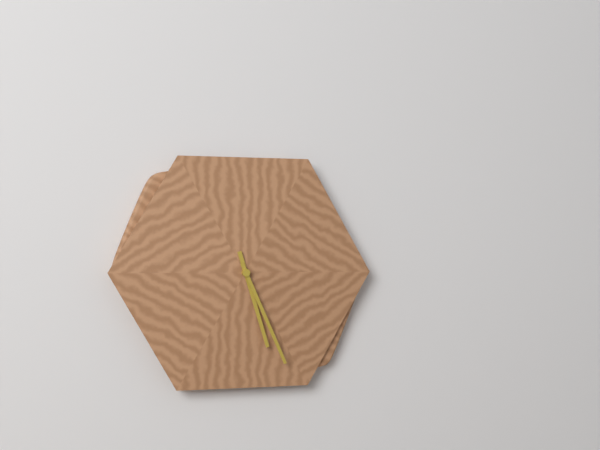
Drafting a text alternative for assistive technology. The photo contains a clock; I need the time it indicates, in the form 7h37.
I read 5h26
